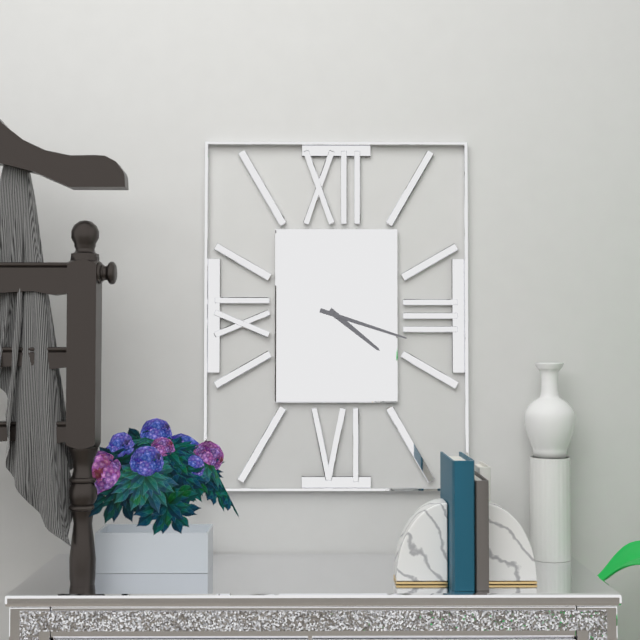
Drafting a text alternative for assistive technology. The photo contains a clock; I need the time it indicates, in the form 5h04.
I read 4h18
